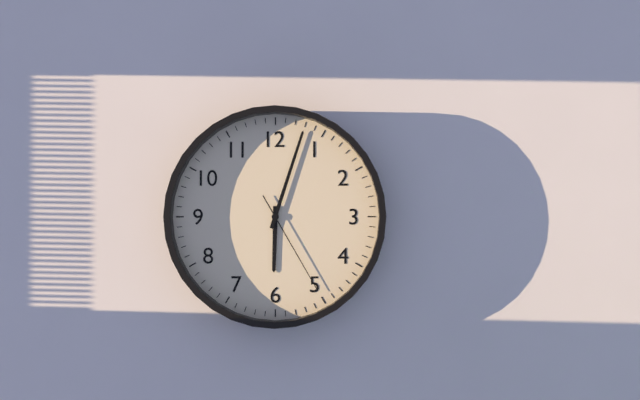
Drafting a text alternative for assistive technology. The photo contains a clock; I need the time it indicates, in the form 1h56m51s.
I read 6h03m25s
